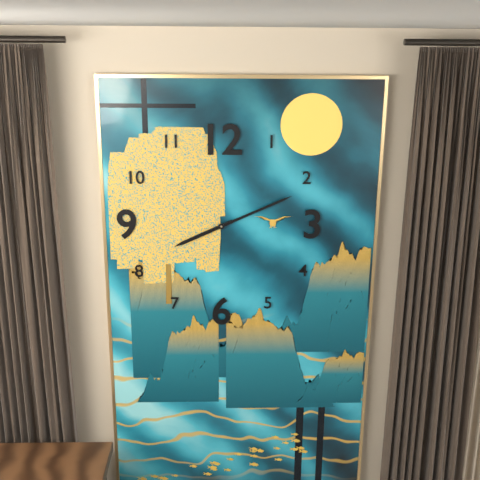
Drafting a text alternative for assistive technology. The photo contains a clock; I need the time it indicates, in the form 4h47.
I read 8h11
